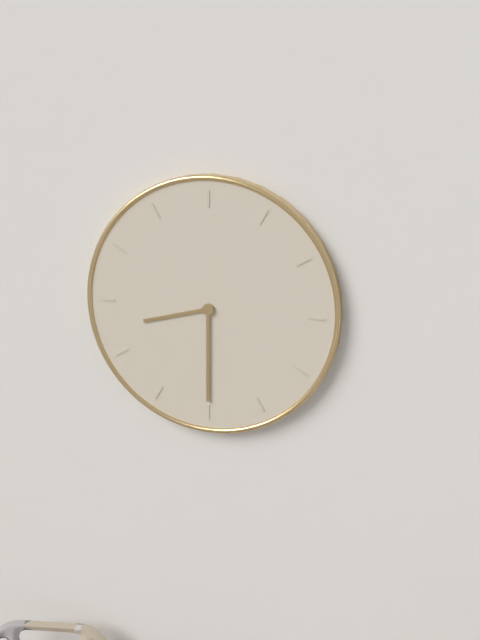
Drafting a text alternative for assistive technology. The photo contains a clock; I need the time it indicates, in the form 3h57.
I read 8h30
